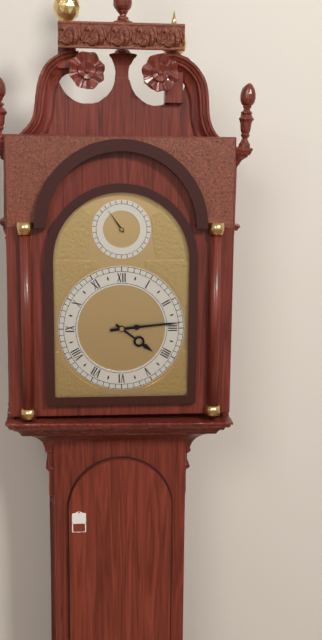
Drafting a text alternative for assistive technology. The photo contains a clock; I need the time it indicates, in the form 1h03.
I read 4h14
